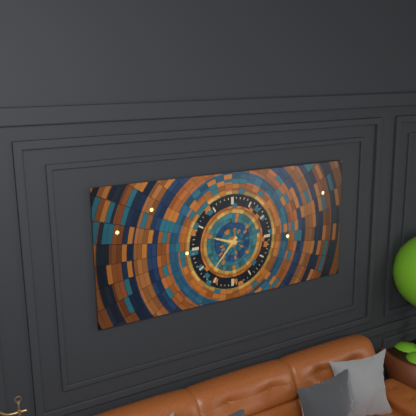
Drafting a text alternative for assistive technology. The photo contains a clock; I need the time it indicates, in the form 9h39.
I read 9h37
